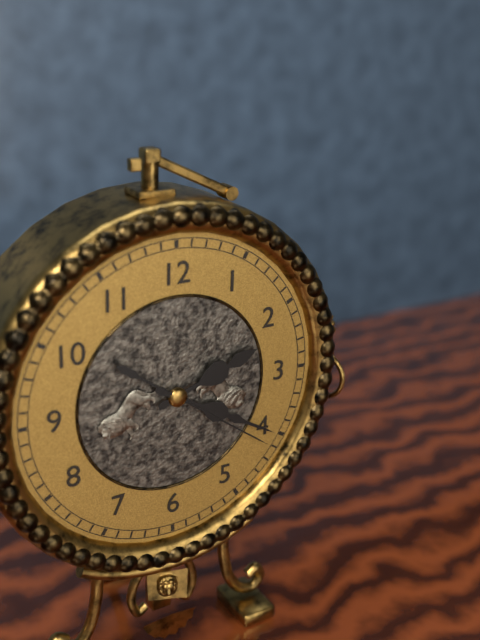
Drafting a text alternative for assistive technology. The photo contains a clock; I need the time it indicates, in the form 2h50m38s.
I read 2h20m21s
